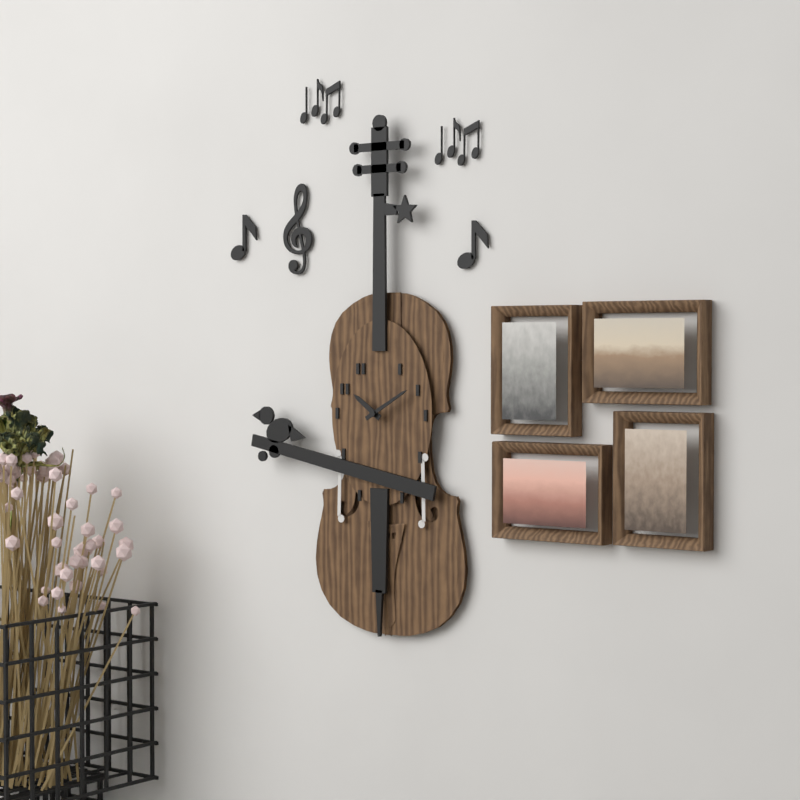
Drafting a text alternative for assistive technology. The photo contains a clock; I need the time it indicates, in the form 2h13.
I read 10h10
